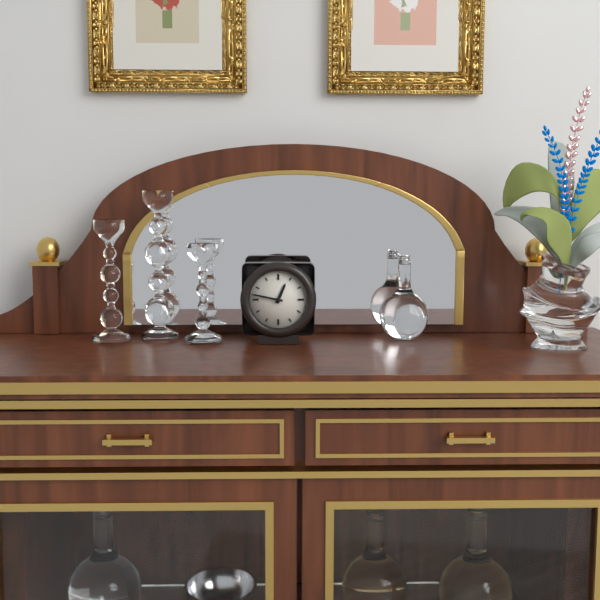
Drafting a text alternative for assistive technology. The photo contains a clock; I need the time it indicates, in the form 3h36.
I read 12h47
